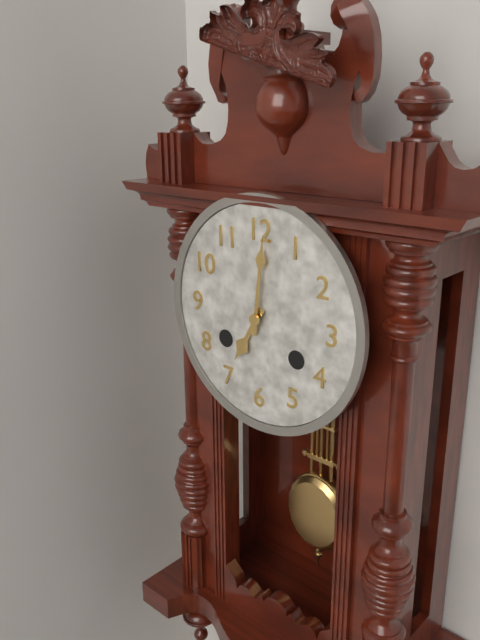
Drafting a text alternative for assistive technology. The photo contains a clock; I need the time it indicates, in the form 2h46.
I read 7h01
